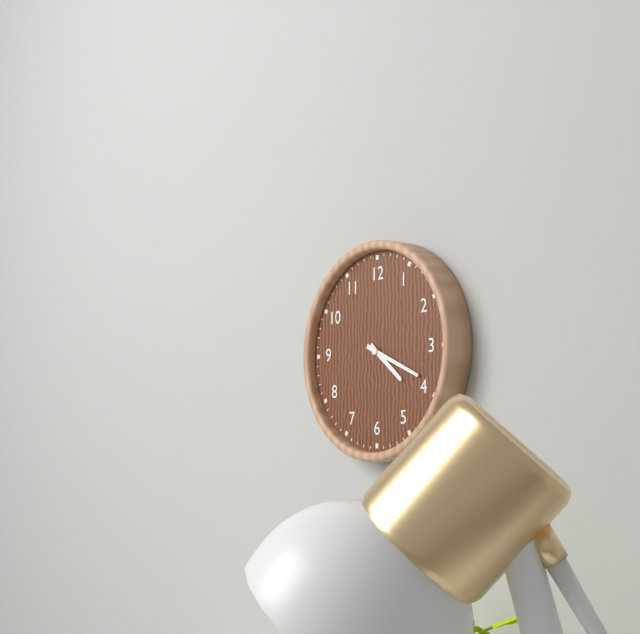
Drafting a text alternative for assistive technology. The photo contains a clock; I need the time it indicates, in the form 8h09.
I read 4h19
